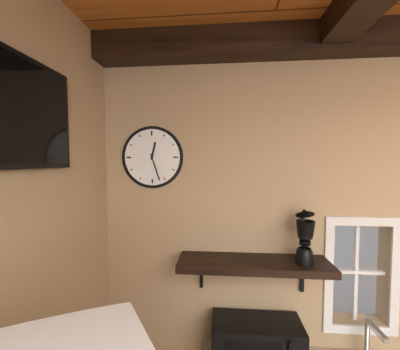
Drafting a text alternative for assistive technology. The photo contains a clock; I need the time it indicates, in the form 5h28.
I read 12h27
